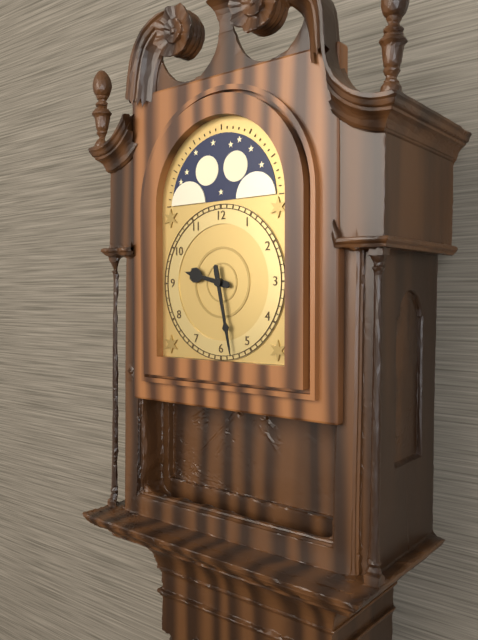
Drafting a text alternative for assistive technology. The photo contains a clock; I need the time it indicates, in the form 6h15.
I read 9h28
